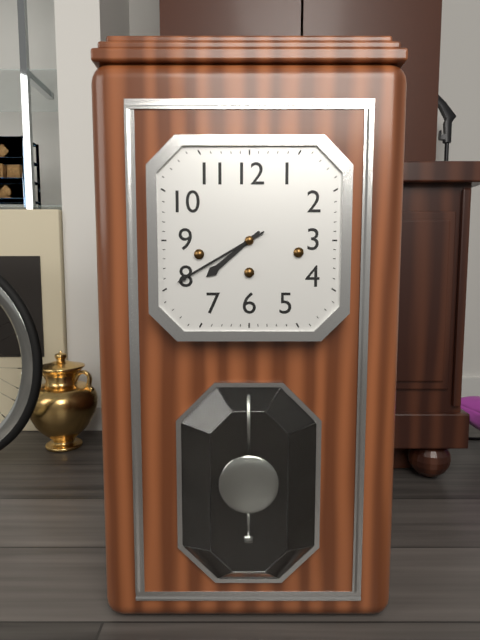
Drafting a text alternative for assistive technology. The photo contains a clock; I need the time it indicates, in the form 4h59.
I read 7h40
